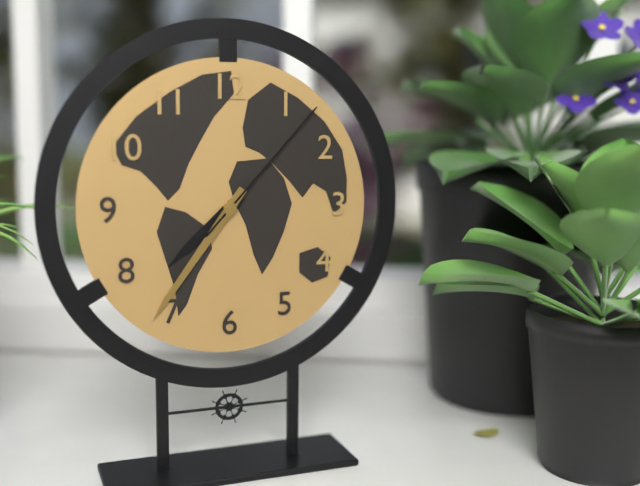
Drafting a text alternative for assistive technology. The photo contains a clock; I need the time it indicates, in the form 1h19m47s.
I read 7h36m07s
